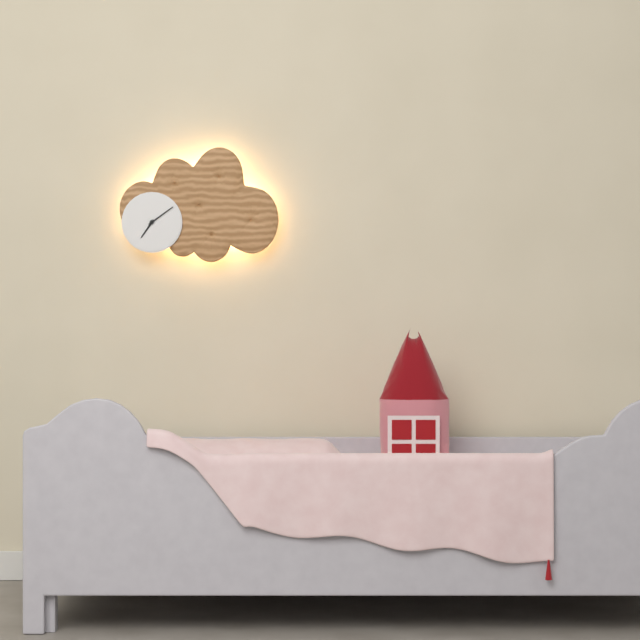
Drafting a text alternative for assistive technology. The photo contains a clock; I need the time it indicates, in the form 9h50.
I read 7h09
